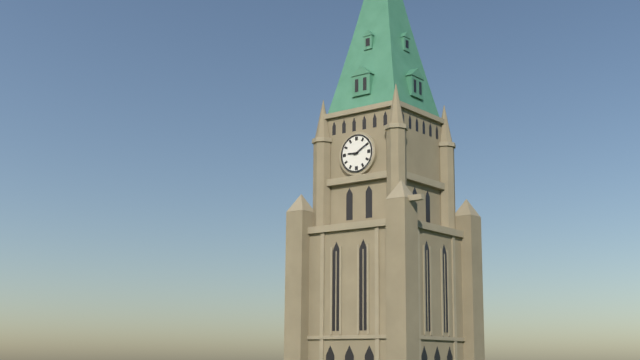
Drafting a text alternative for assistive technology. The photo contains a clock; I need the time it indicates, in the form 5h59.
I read 9h10
